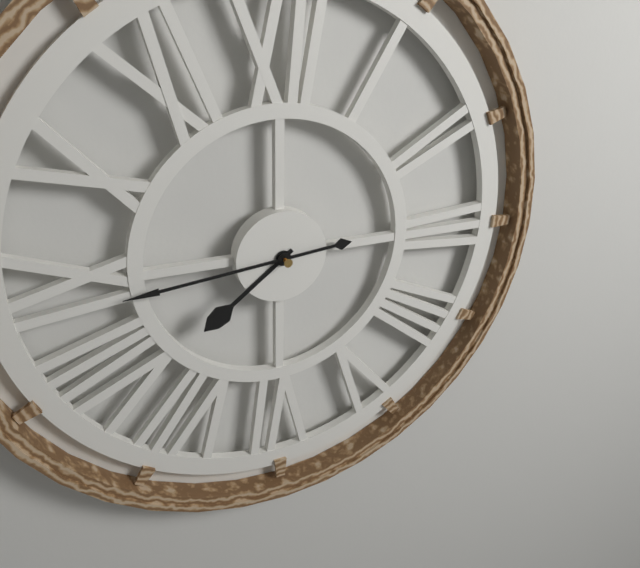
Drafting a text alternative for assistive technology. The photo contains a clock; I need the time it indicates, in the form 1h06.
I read 7h44
